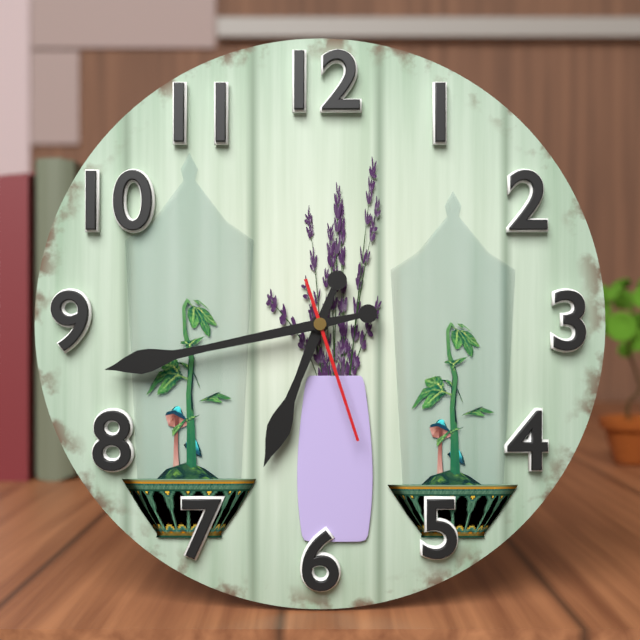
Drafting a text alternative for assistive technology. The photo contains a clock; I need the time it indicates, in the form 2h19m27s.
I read 6h43m27s
